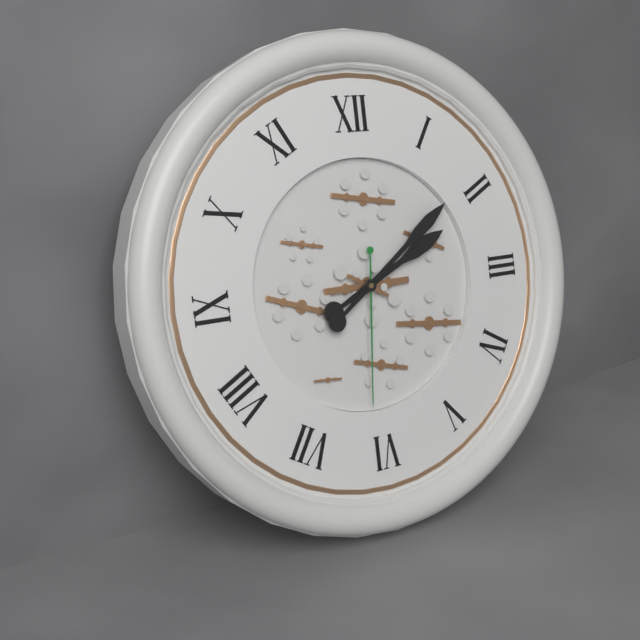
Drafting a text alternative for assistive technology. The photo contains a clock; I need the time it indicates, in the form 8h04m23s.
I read 2h09m31s
